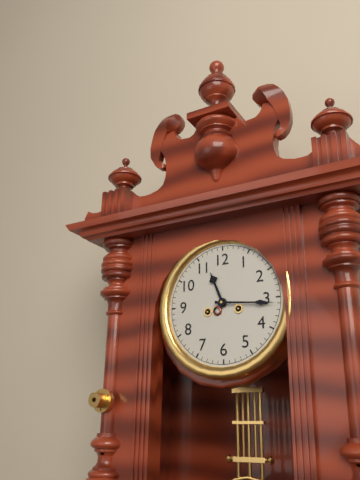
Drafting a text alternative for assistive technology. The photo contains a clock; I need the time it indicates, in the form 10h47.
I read 11h16
